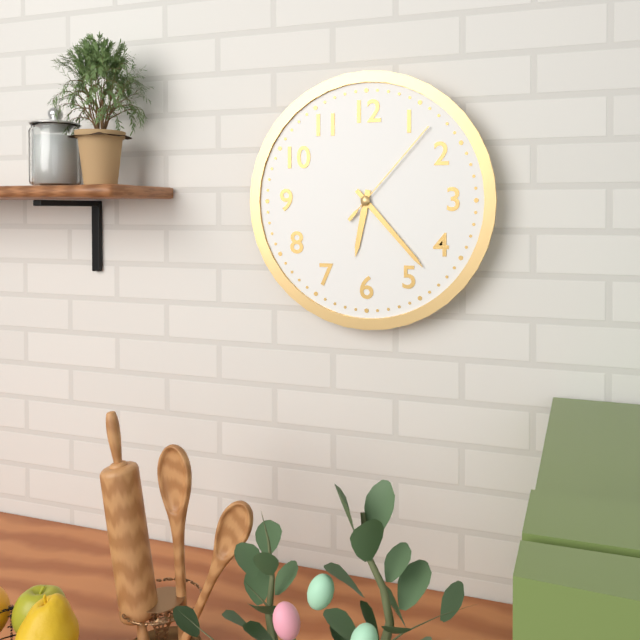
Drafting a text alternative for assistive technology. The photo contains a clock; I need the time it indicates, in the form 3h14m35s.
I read 6h23m07s
